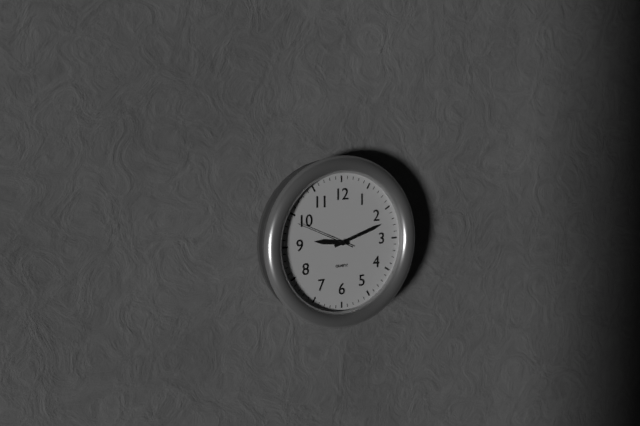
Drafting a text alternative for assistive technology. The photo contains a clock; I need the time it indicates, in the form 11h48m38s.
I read 9h12m49s
